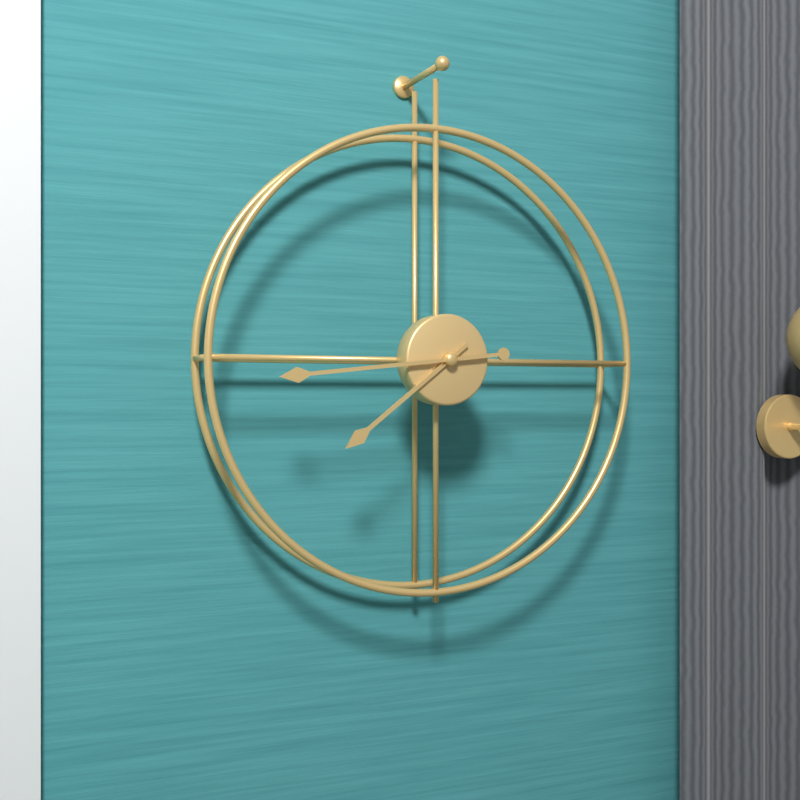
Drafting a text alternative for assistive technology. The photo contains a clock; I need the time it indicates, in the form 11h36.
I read 7h44
